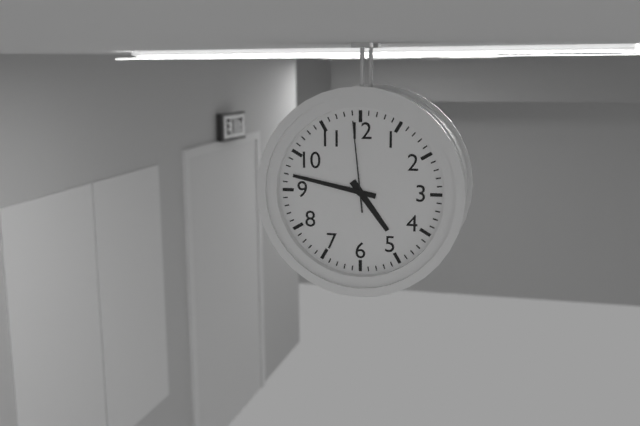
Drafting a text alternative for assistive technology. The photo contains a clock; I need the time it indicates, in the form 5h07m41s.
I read 4h47m59s
